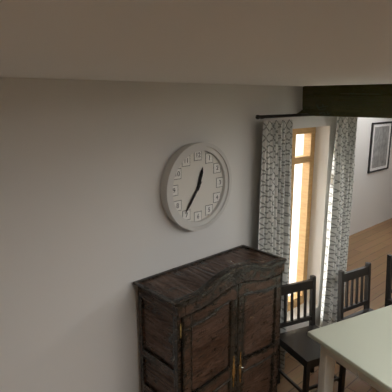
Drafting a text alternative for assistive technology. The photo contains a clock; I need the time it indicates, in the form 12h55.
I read 12h36
